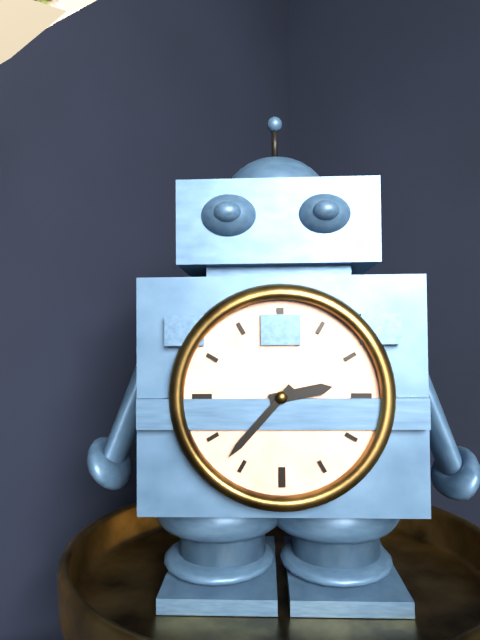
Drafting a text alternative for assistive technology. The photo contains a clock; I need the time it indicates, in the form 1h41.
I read 2h37
